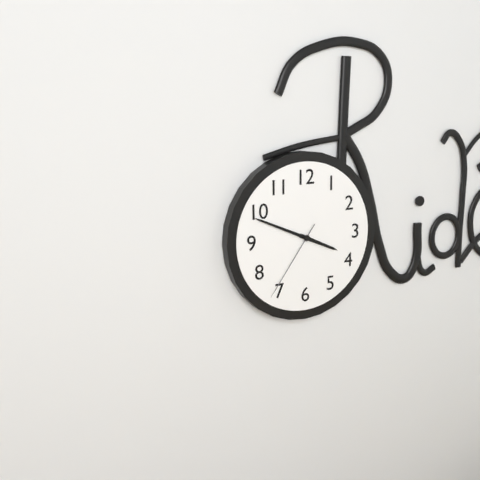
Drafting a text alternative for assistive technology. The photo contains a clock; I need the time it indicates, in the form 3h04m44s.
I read 3h49m36s
